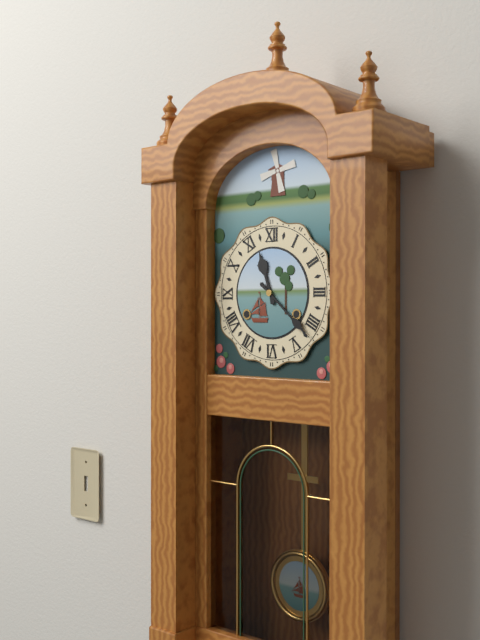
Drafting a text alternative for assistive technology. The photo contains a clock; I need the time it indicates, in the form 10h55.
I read 11h22
